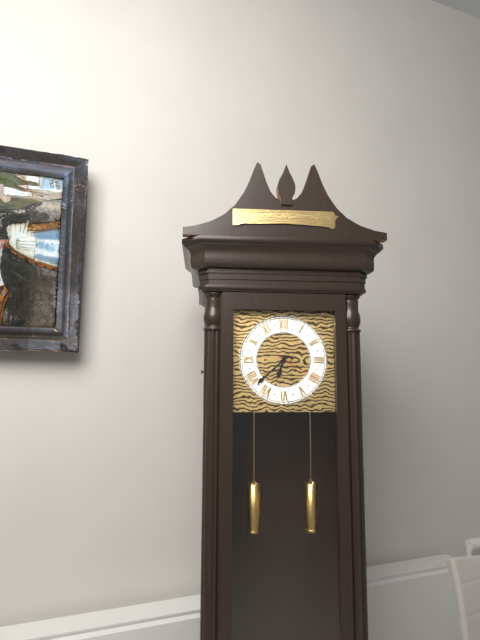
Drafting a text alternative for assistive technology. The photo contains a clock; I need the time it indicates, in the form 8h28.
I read 6h38
